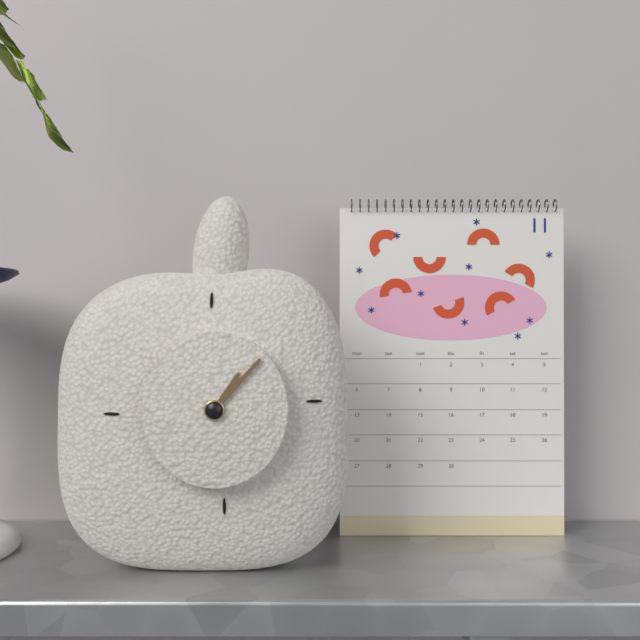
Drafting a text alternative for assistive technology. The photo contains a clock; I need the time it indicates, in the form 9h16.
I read 1h07
